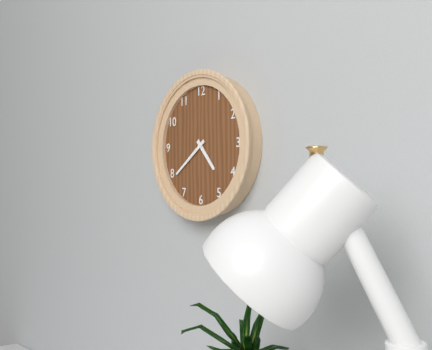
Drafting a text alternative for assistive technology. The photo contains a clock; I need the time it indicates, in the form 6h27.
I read 4h39
